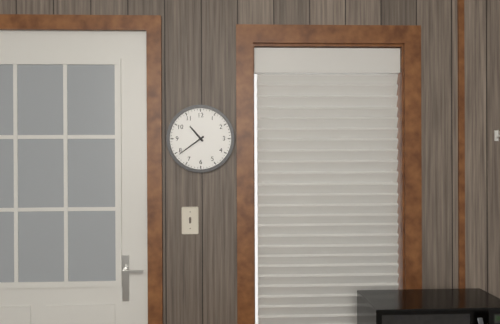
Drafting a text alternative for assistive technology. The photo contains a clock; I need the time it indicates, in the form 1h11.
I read 10h39
